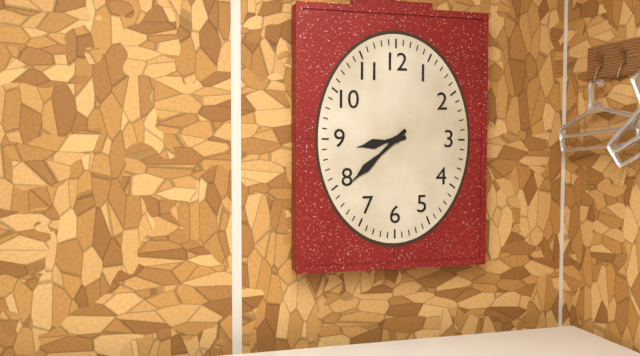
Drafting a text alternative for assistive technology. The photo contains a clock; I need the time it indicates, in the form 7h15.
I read 8h38
